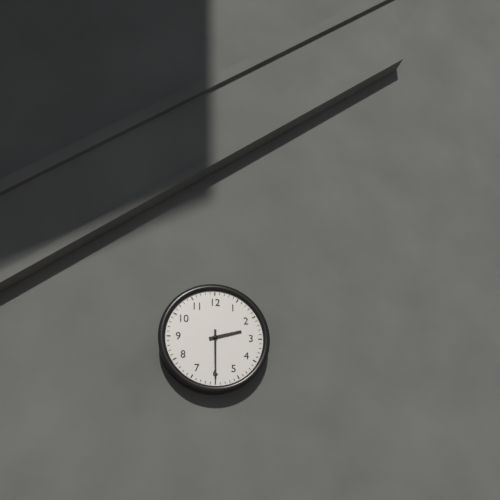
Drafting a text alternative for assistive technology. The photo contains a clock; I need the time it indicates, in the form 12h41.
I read 2h30
